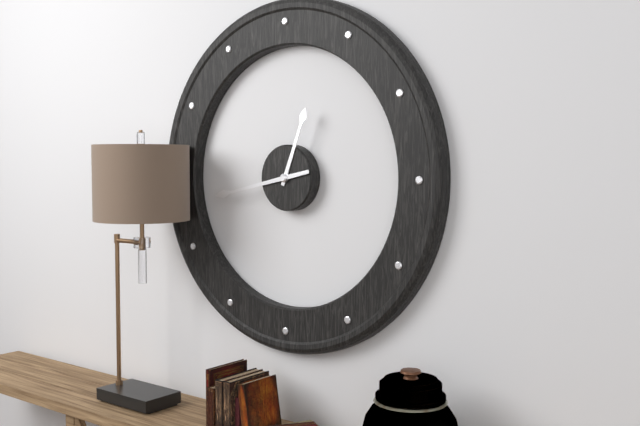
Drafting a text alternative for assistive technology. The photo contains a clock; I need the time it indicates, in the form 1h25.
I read 12h43
